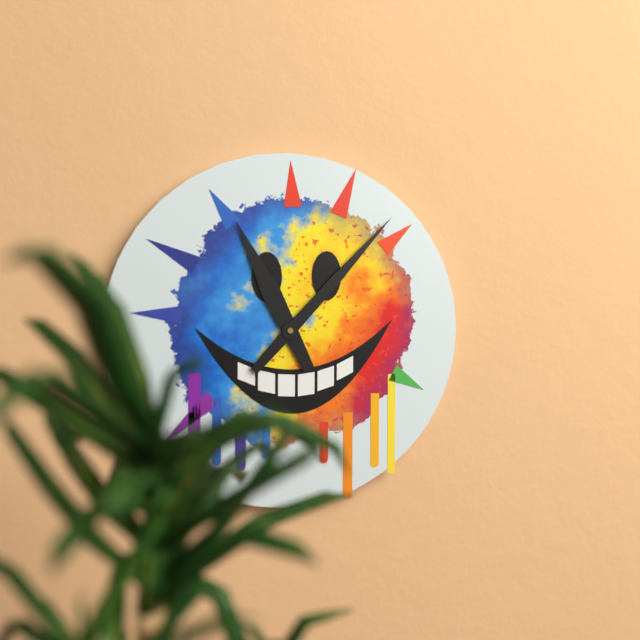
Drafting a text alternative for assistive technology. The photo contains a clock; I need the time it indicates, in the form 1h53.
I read 11h07
